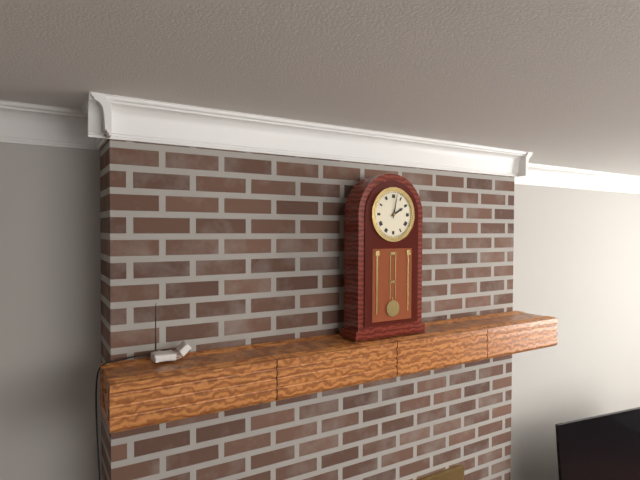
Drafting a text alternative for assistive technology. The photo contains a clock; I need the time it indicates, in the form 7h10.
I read 2h02
